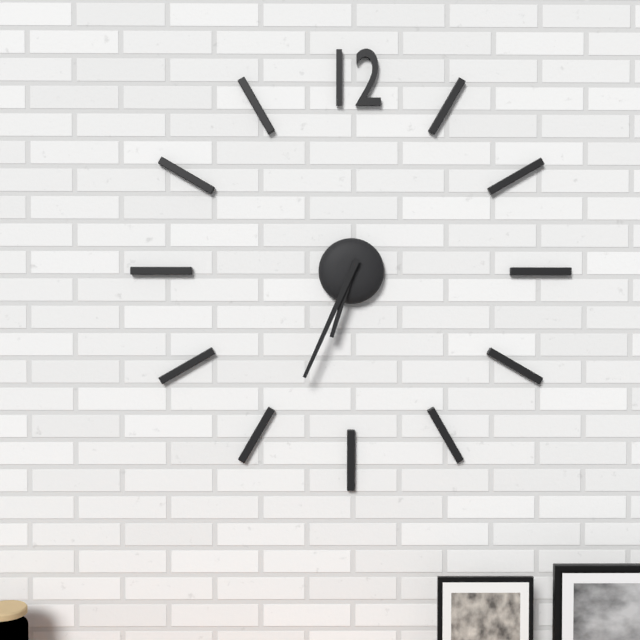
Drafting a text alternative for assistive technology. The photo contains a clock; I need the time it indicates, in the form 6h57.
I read 6h34
